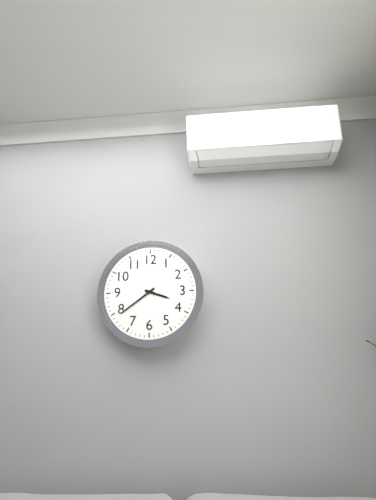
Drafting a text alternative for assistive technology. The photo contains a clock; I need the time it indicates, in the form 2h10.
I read 3h39
